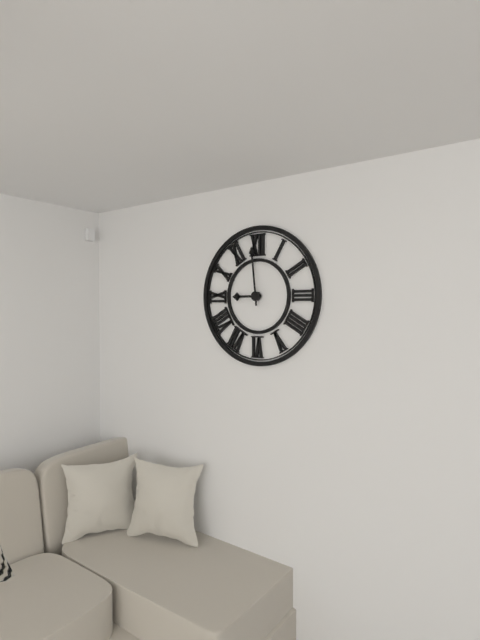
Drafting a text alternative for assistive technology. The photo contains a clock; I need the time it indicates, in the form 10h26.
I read 8h59
